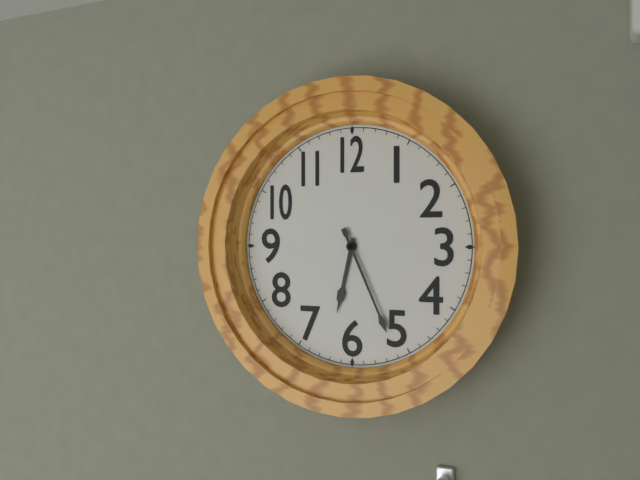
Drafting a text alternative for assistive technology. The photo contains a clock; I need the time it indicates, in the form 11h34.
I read 6h26
